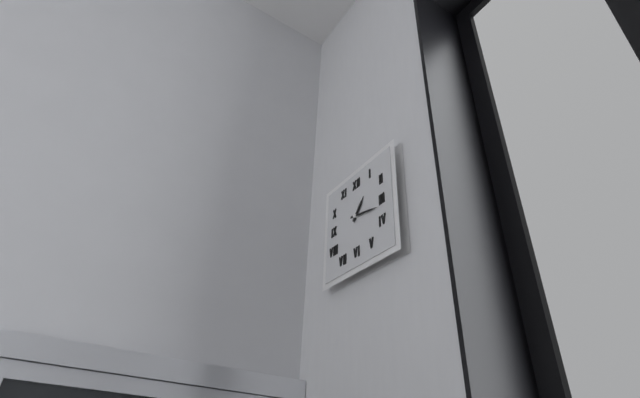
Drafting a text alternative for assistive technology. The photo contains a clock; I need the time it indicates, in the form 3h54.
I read 1h17
